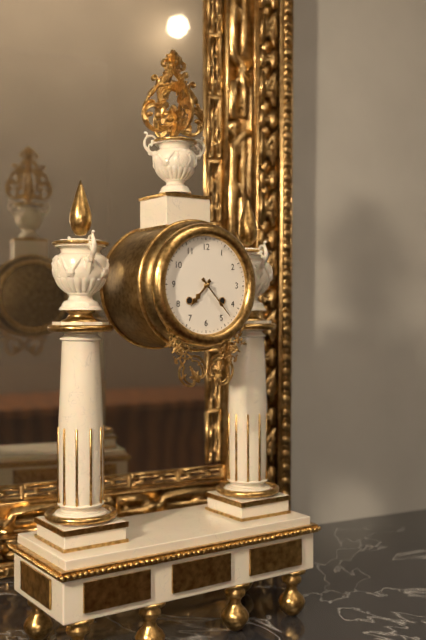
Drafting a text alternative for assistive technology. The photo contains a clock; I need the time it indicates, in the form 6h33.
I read 7h23
